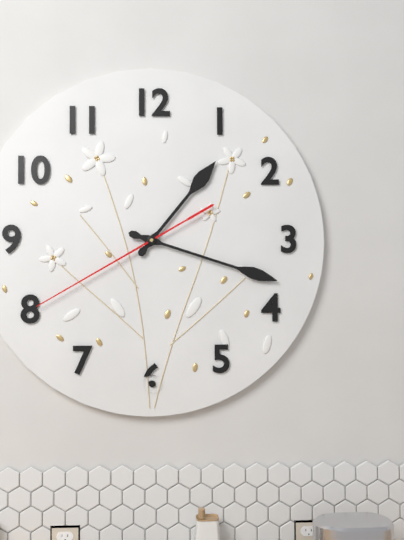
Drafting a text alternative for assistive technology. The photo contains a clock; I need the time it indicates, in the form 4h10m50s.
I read 1h18m40s
